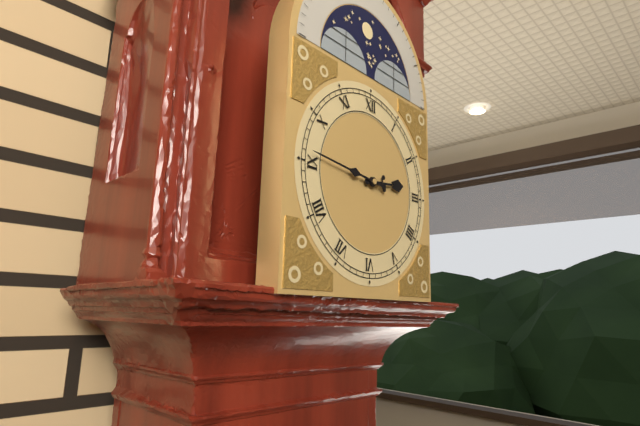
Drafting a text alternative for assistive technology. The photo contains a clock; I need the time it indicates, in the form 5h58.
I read 2h46
